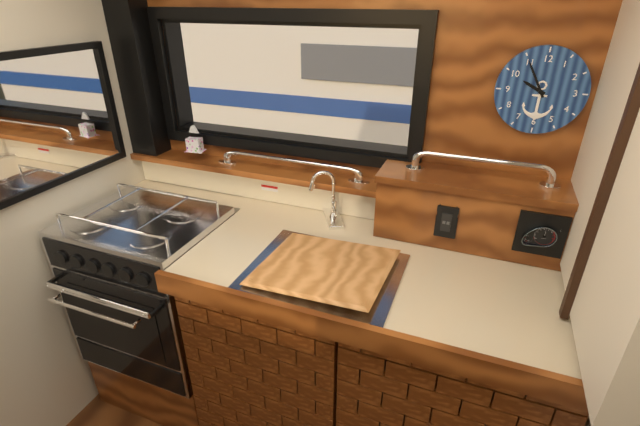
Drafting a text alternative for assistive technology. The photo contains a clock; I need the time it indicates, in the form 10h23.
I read 9h55
